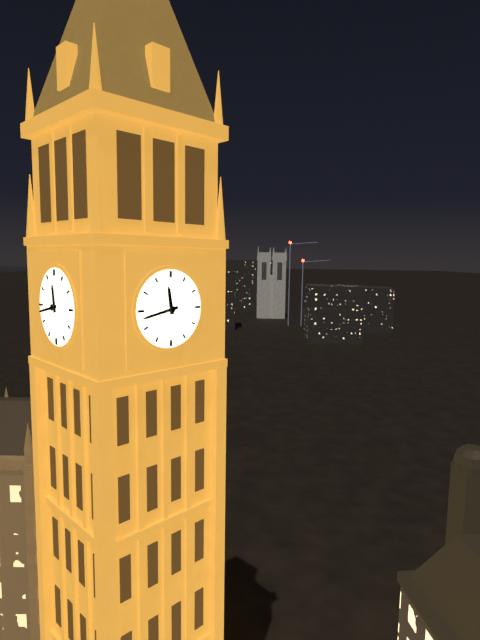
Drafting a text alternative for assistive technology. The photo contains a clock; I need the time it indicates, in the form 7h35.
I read 11h43
